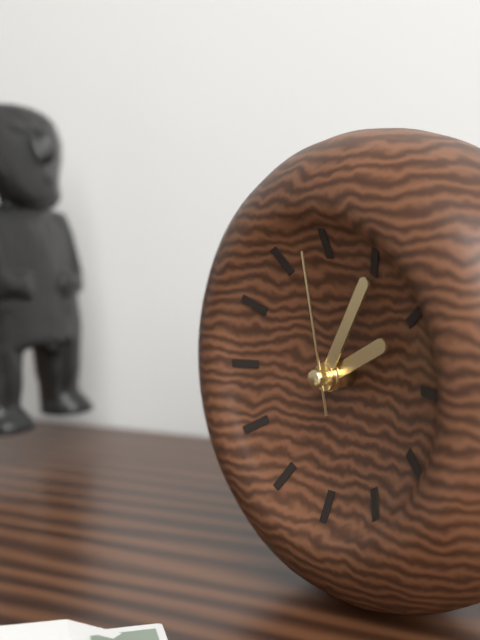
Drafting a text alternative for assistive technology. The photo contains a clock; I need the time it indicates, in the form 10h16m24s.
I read 2h05m58s
